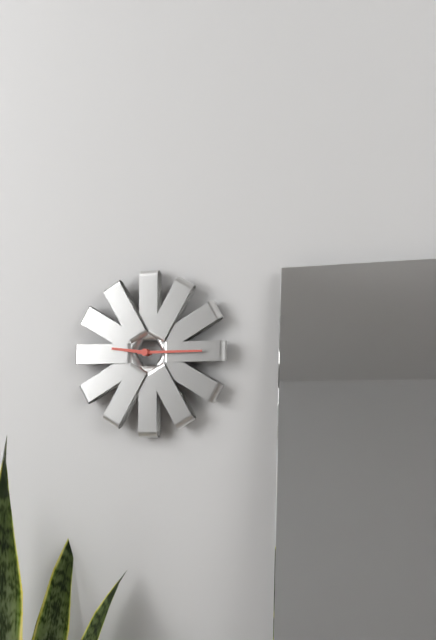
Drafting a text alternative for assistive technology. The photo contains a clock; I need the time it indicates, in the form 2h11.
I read 9h15
